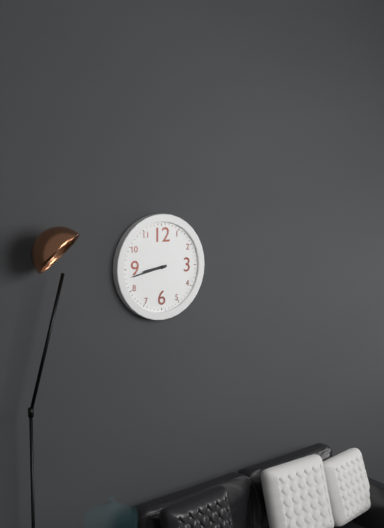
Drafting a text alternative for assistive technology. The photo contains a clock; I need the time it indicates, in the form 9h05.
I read 8h43
